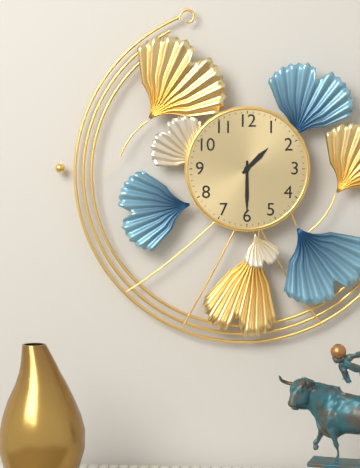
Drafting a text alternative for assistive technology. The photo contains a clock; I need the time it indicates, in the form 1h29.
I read 1h30
